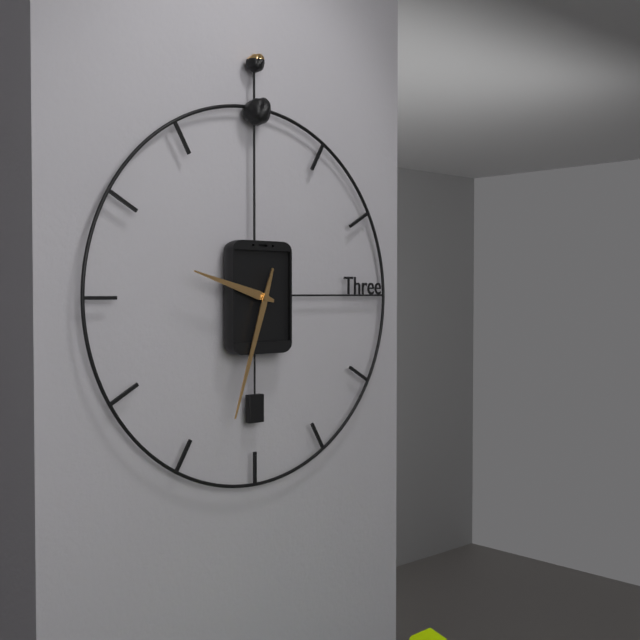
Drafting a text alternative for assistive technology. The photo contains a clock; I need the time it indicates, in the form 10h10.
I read 9h33
